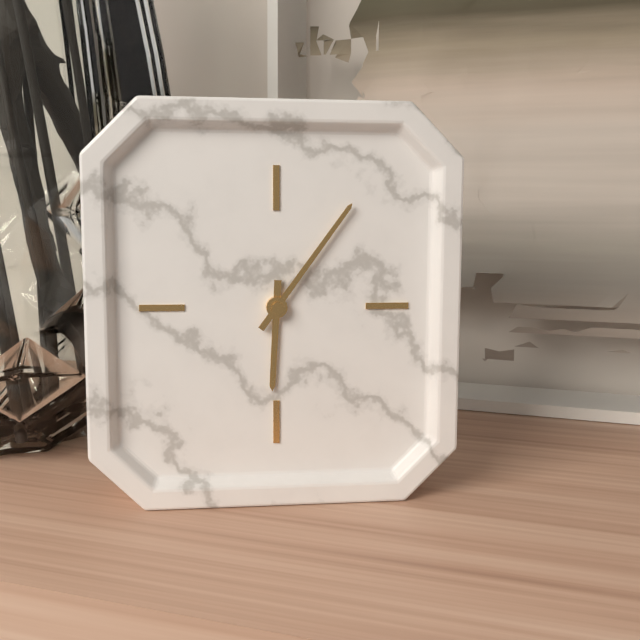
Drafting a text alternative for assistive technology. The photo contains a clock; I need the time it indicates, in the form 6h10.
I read 6h06
